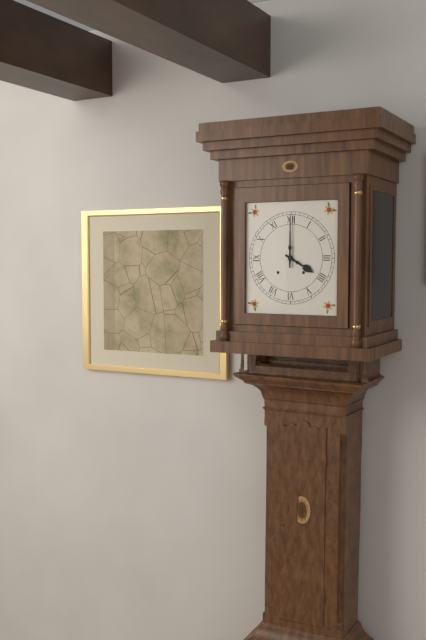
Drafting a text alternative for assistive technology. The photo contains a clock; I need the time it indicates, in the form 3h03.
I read 4h00
